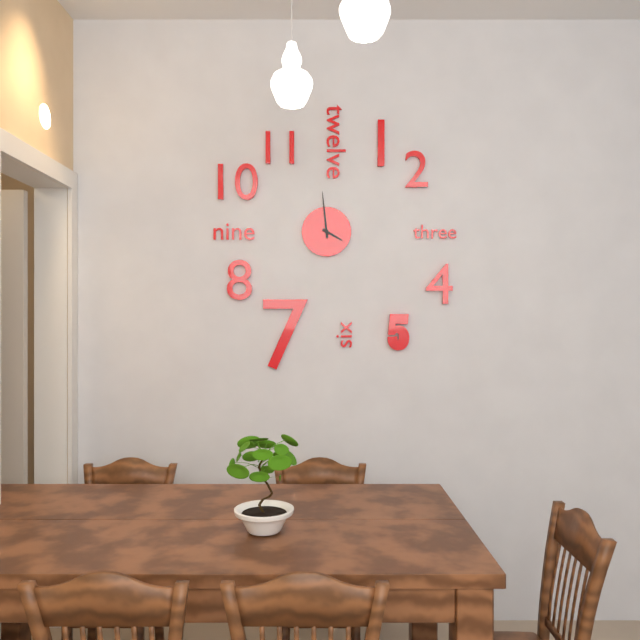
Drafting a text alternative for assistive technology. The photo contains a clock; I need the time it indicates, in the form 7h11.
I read 3h59
